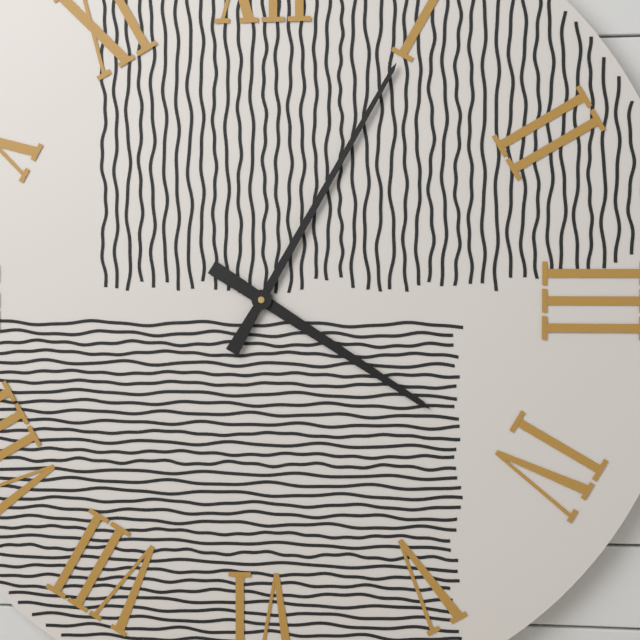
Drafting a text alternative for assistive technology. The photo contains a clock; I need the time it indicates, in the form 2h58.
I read 4h05
